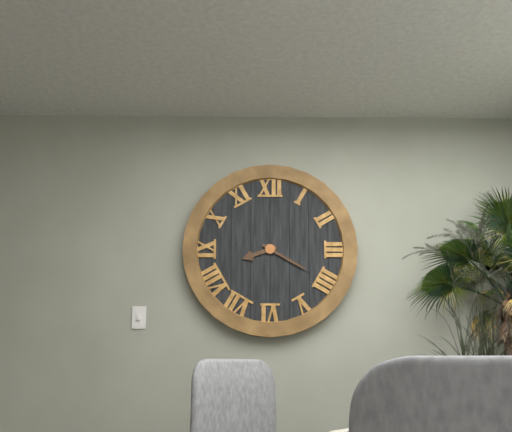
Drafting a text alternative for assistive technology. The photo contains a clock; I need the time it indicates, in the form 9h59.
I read 8h20
